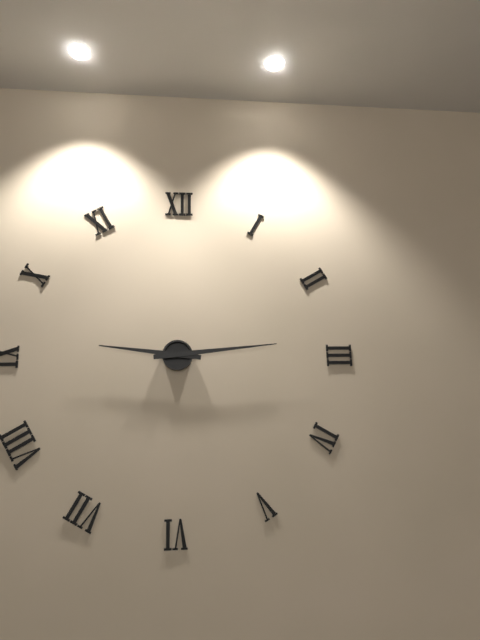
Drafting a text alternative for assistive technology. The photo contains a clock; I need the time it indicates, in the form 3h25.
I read 9h14
